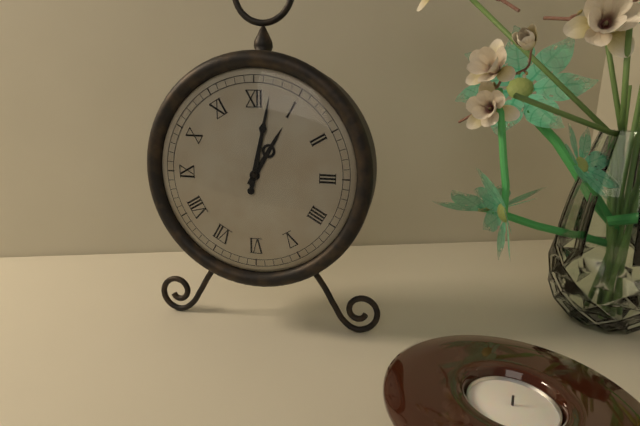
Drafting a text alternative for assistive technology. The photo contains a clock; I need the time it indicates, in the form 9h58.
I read 1h02
